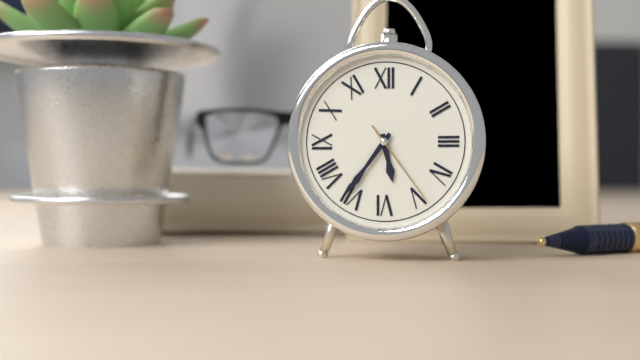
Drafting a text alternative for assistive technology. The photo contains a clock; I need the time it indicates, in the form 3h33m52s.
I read 5h36m24s
